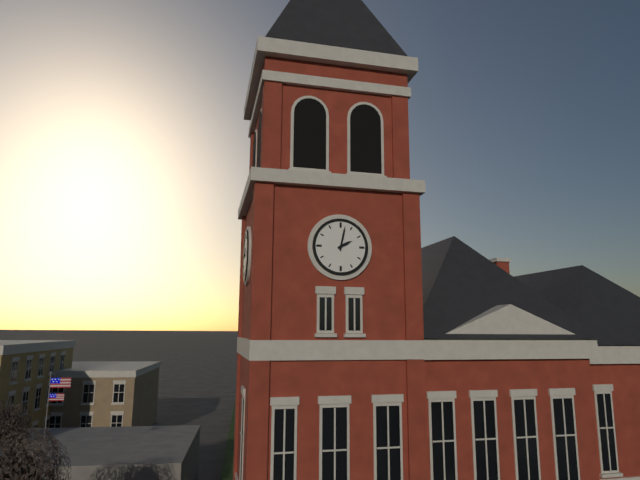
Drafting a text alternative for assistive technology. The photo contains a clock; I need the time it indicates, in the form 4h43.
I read 2h02
